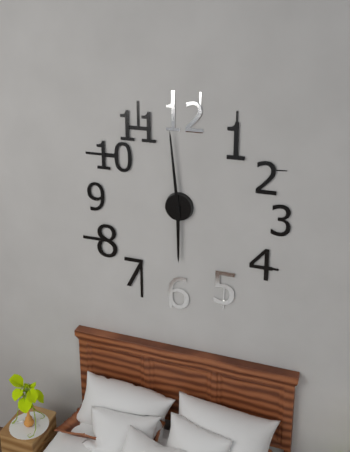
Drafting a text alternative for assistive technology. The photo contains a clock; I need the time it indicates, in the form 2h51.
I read 5h59
